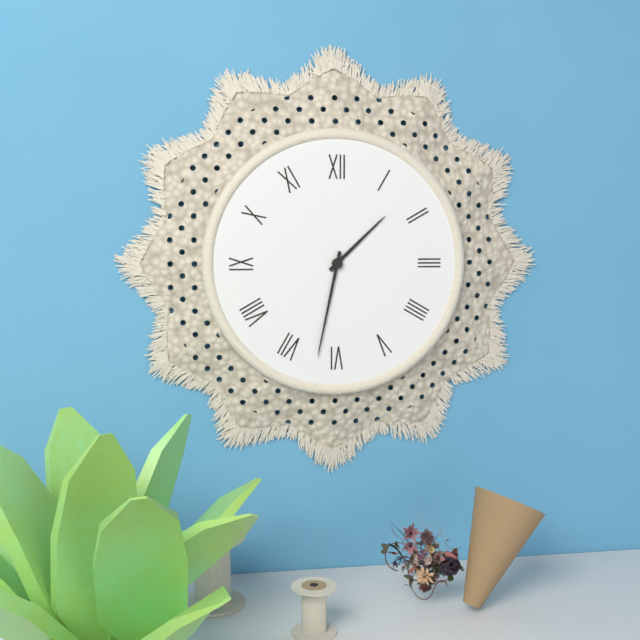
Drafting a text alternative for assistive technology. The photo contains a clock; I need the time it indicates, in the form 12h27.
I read 1h32
